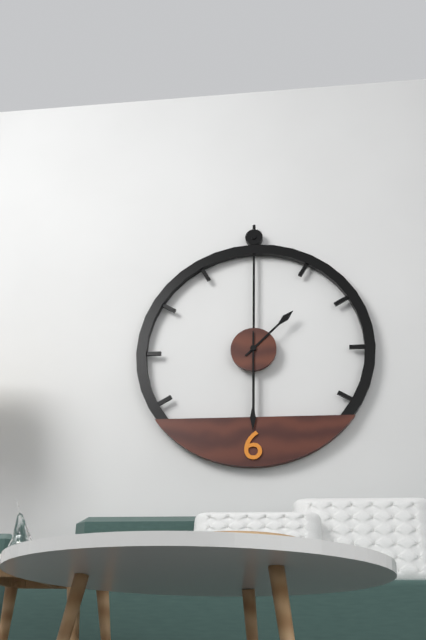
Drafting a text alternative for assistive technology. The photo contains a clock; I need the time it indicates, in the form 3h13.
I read 1h30
